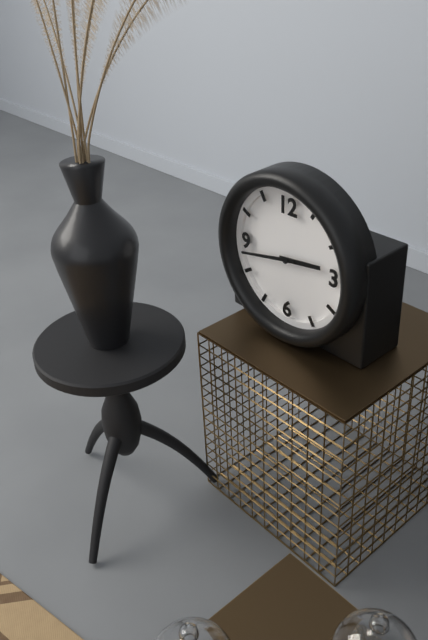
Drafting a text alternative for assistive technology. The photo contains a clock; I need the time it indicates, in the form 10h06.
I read 2h43
